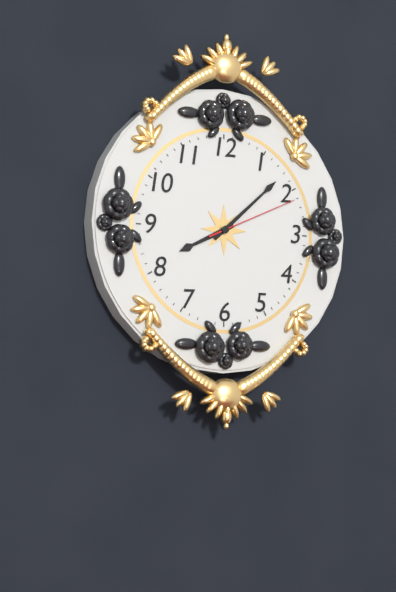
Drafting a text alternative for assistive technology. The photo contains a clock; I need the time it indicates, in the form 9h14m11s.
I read 8h08m11s
